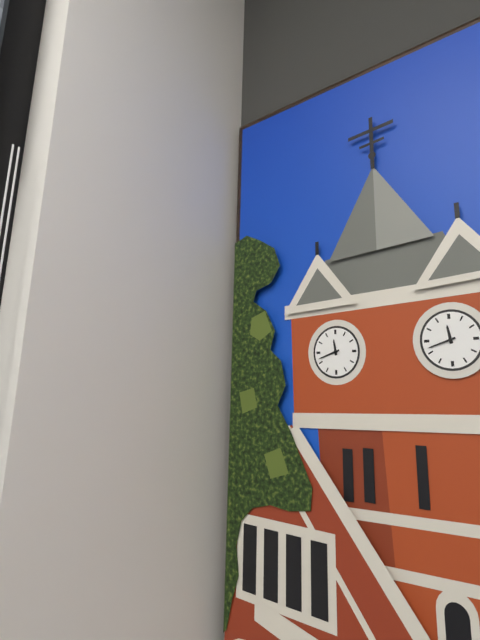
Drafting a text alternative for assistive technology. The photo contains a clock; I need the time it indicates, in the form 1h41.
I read 11h42
